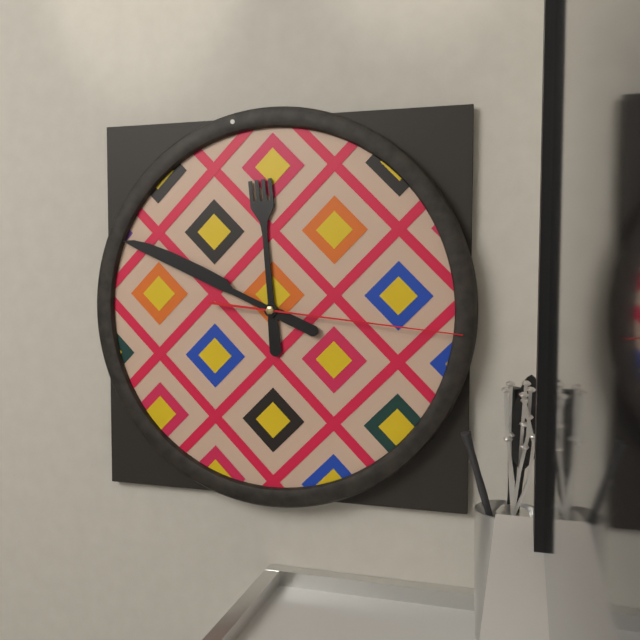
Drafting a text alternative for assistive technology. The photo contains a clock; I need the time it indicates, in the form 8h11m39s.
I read 11h49m16s
